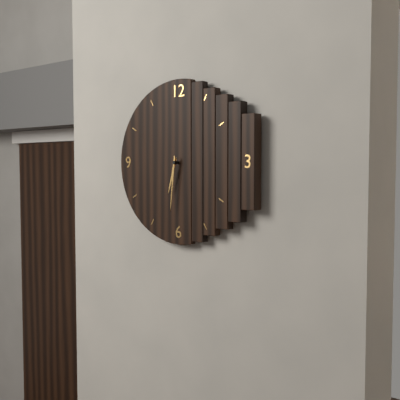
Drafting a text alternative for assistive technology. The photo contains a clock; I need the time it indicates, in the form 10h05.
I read 6h31
